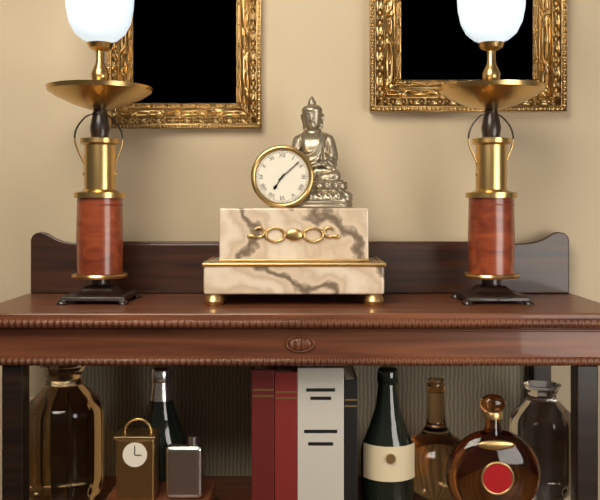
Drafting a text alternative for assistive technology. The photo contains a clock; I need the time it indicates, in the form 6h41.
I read 7h08
